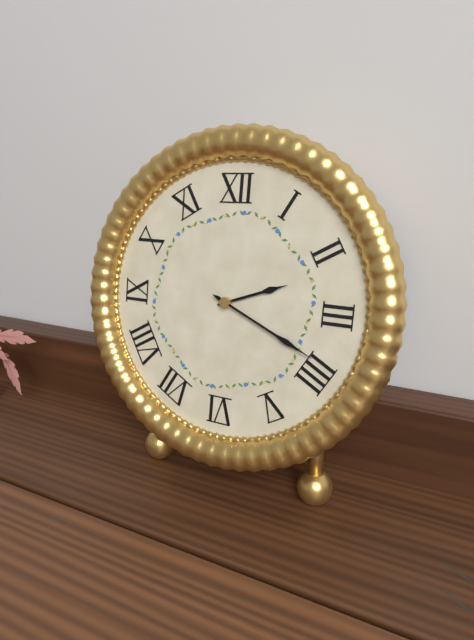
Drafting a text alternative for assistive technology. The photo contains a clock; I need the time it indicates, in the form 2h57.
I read 2h19
